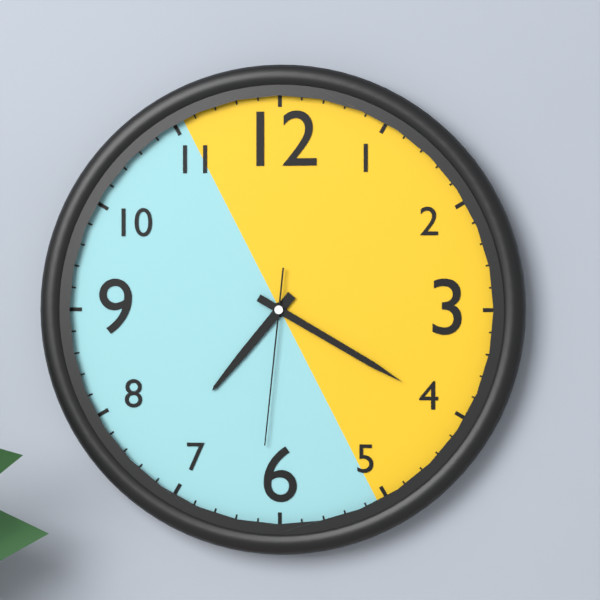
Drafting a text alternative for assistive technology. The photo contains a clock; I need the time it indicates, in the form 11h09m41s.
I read 7h20m31s
